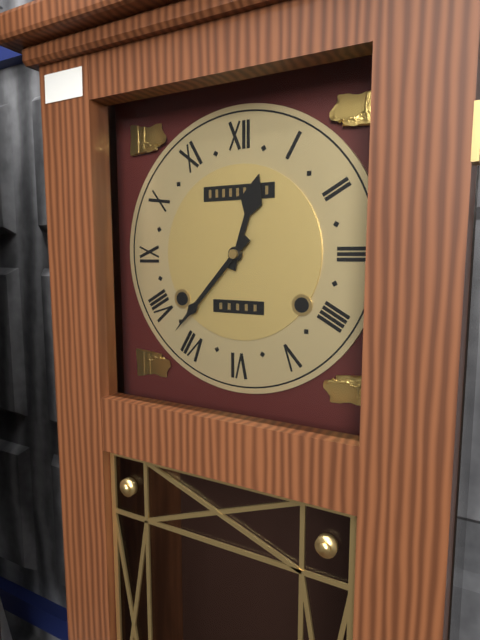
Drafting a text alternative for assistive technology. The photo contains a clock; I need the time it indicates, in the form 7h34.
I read 12h37
